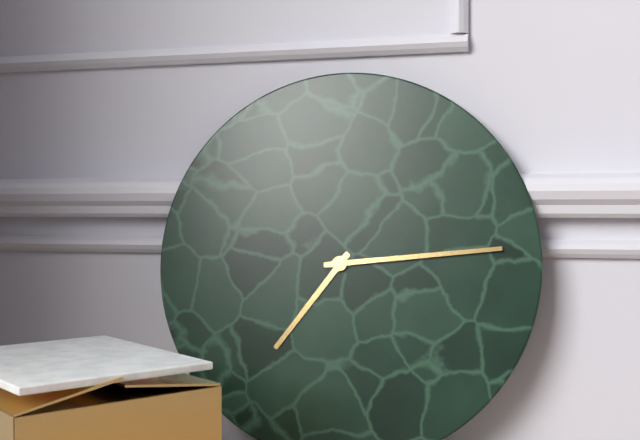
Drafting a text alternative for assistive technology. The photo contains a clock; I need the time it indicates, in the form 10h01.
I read 7h14
